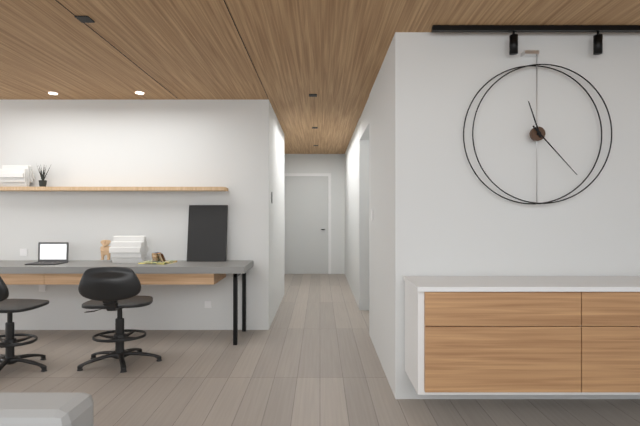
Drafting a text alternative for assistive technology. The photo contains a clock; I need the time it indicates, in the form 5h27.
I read 11h23
